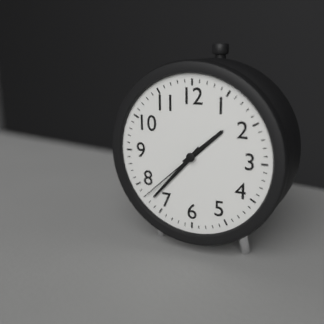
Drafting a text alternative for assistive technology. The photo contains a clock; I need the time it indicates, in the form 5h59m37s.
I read 1h37m38s
